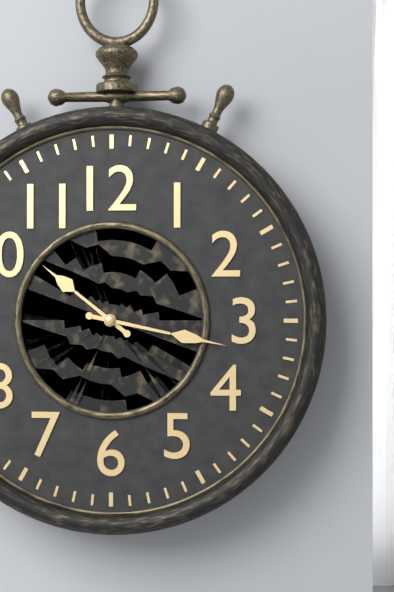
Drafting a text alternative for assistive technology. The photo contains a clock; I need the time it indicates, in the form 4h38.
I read 10h17
